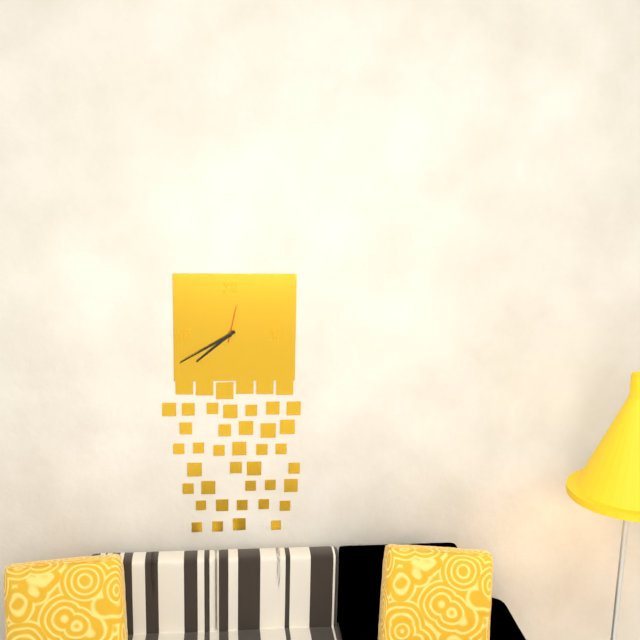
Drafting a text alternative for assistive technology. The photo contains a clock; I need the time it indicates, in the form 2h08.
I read 7h40
